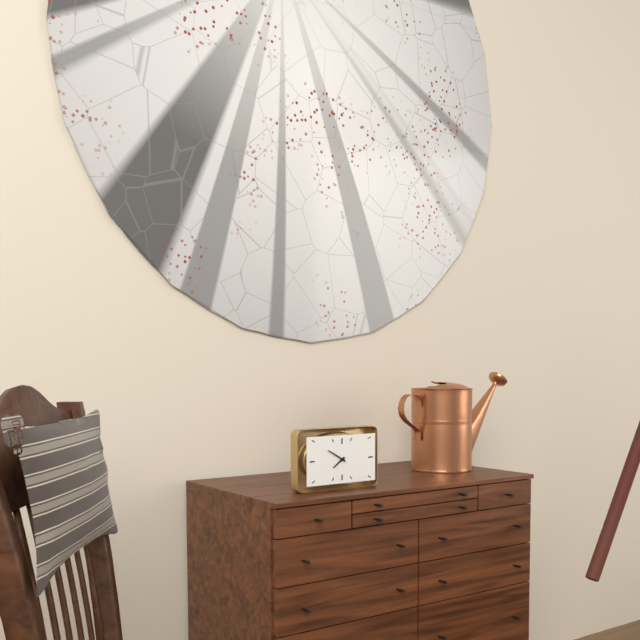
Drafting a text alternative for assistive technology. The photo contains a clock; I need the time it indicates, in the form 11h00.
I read 7h50
